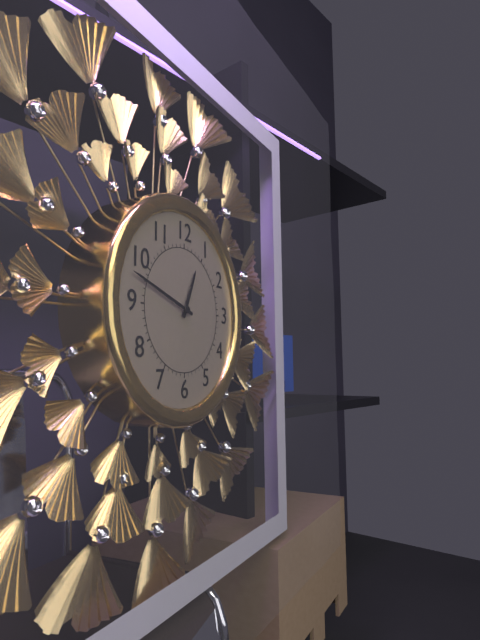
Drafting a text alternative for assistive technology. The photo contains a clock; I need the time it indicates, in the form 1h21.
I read 12h48
